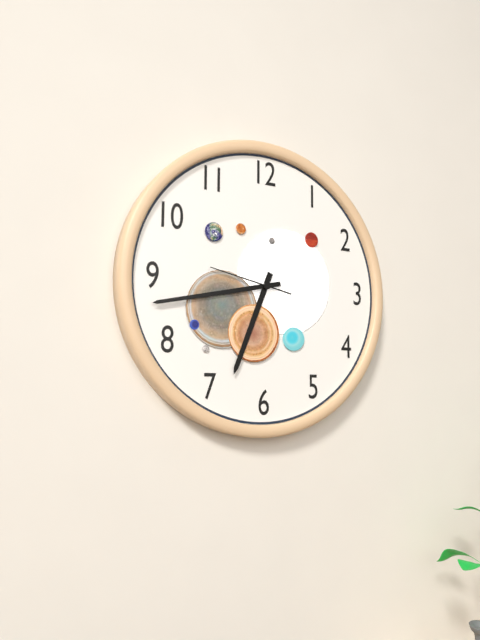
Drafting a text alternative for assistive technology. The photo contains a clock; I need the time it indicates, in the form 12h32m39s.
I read 6h43m47s
